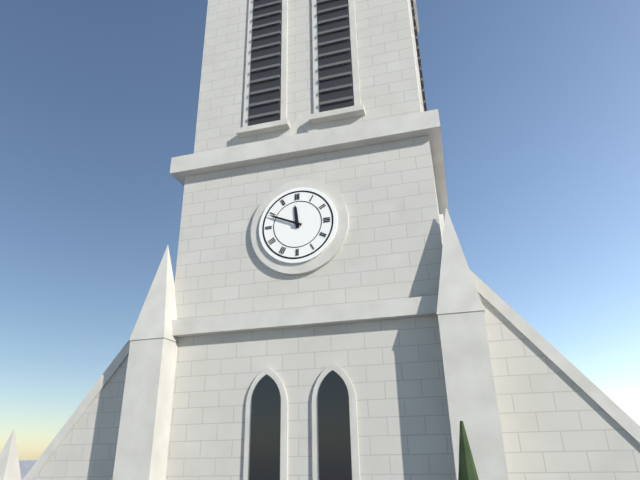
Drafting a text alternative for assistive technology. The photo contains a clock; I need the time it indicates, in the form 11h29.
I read 11h49
